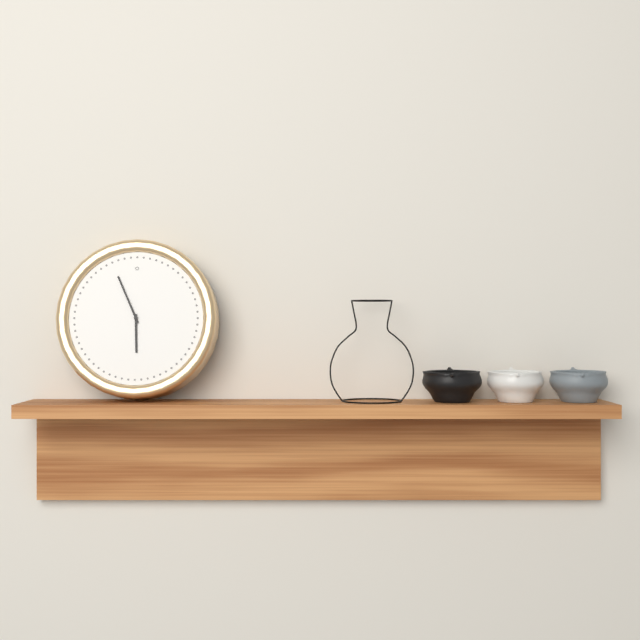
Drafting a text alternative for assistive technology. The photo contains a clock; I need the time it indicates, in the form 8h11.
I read 5h56
